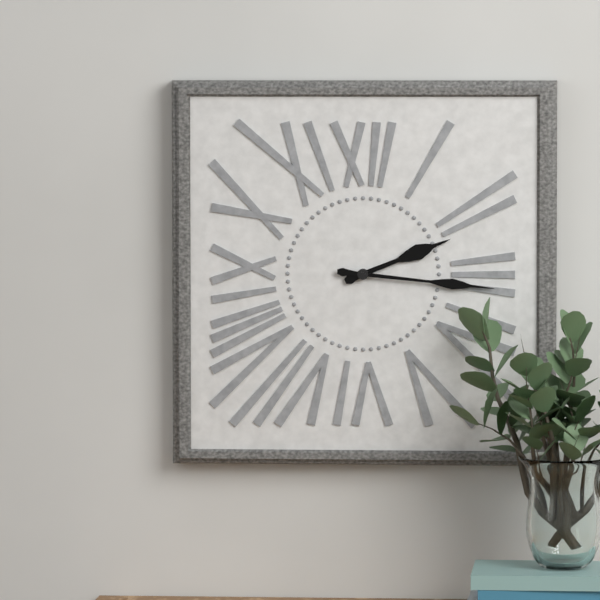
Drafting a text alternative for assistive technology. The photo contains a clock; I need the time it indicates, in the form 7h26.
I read 2h16
